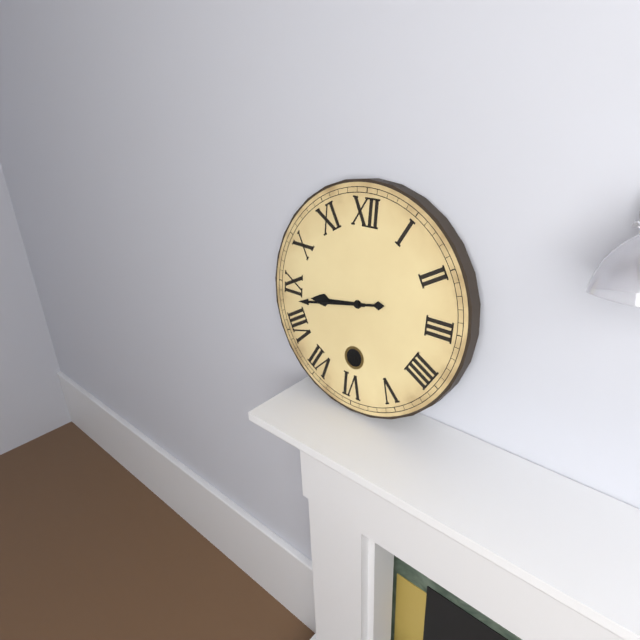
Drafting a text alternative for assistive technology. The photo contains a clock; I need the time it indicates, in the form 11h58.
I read 8h43
